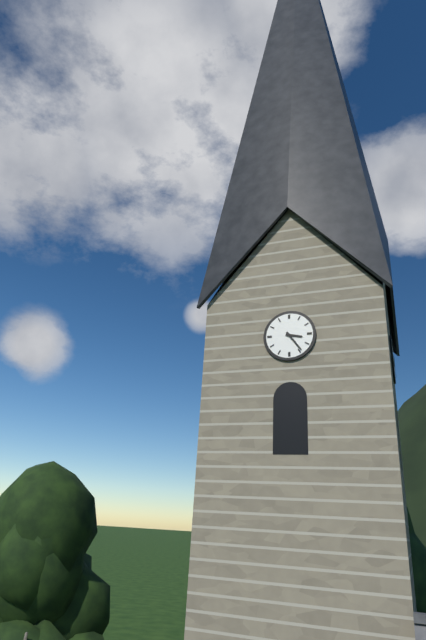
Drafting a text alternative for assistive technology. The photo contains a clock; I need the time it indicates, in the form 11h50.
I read 3h24
